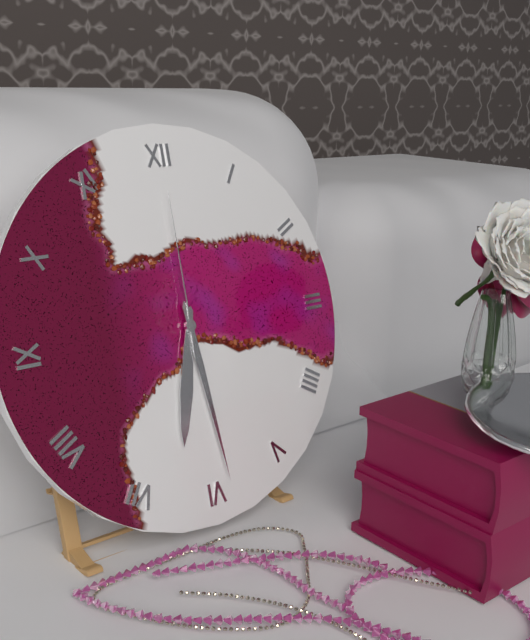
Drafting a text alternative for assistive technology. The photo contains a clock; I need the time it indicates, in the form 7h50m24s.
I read 6h29m00s
